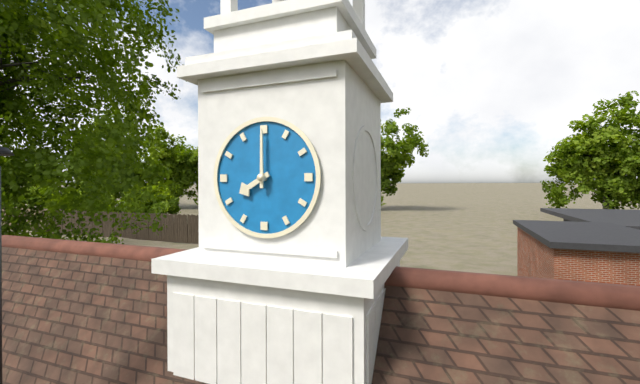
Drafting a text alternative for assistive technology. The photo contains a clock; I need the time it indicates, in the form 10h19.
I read 8h00
